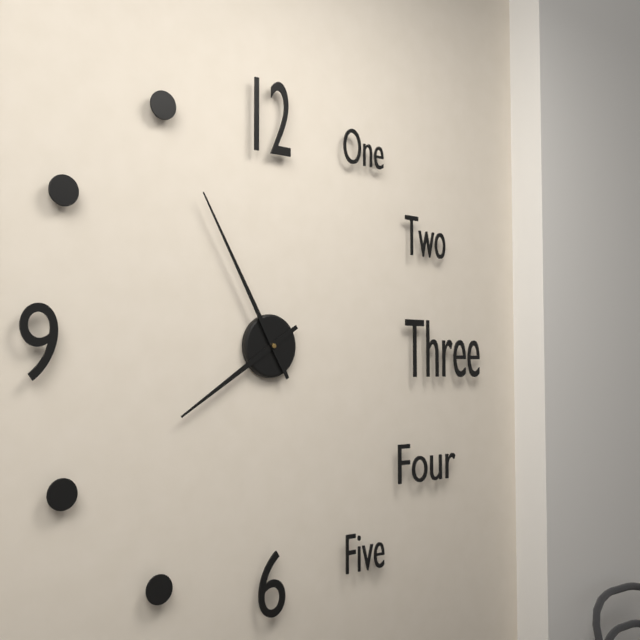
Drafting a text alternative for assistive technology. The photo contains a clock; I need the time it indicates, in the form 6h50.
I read 7h55
